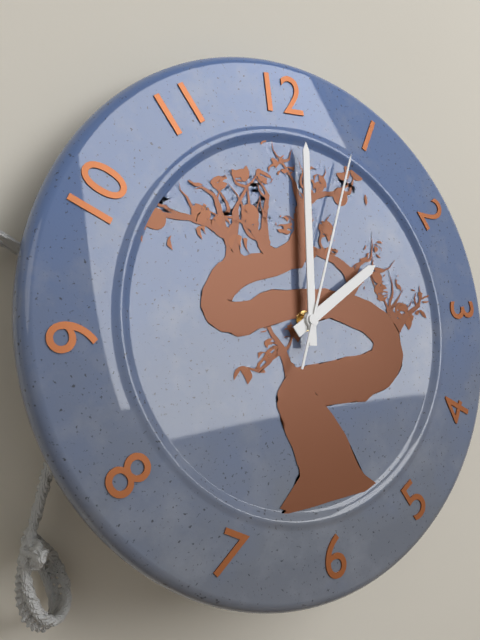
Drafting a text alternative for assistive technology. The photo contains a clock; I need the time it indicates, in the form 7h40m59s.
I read 2h01m04s
